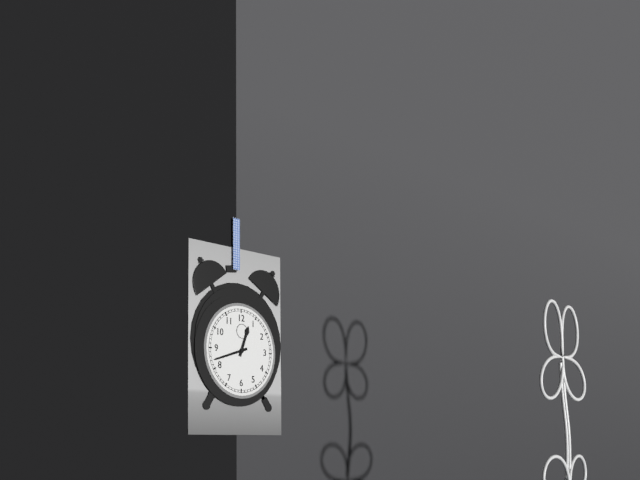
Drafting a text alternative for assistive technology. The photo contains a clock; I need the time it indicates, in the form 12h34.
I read 12h42
